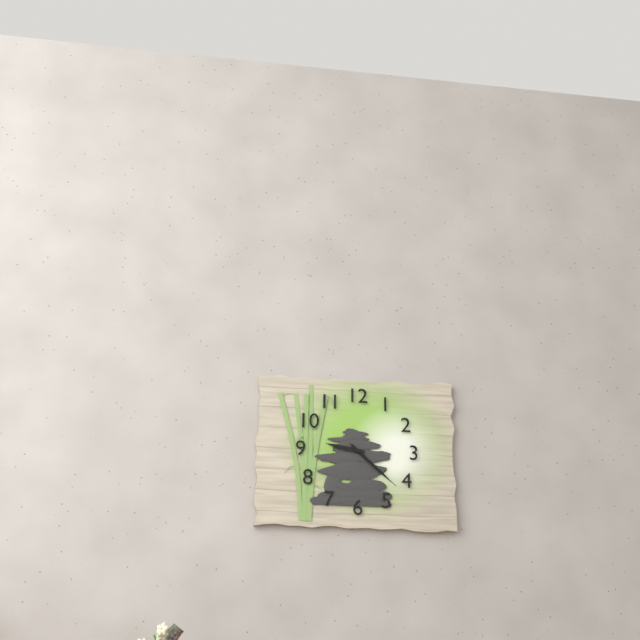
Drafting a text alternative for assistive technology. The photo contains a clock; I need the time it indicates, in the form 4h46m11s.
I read 9h22m22s
